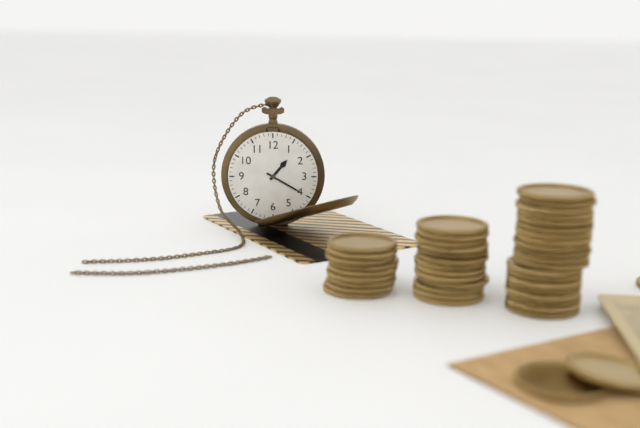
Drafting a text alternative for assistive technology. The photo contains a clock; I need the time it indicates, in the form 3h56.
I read 1h20
